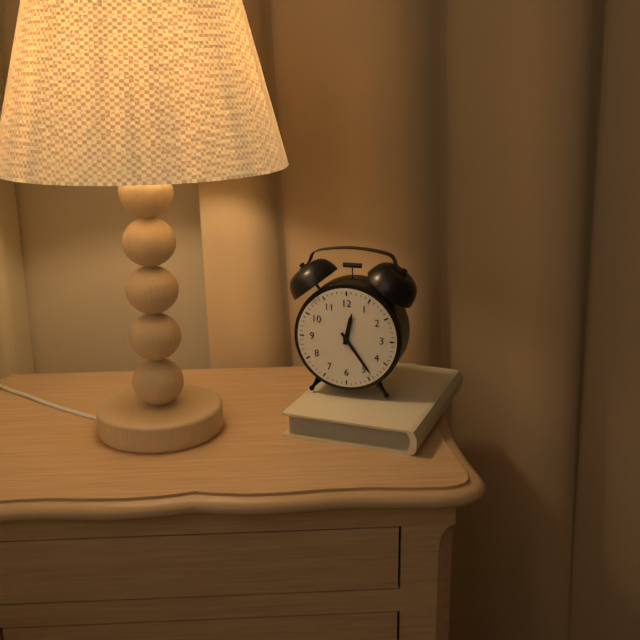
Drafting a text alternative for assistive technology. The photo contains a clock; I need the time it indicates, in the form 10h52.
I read 12h24
